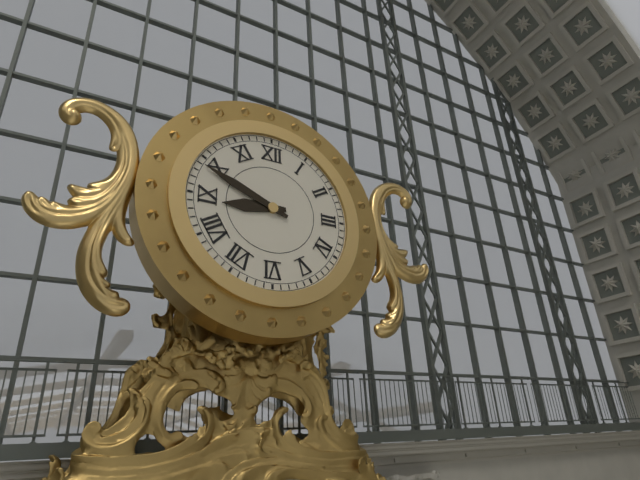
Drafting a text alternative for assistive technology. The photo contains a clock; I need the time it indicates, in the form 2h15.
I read 8h49
